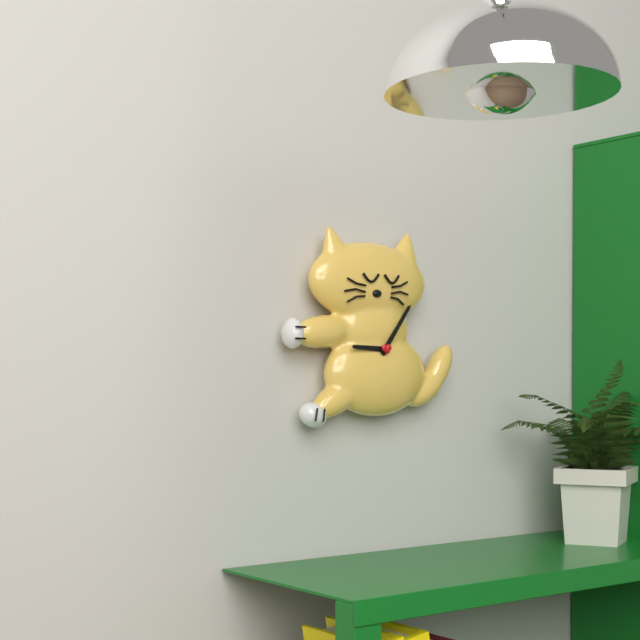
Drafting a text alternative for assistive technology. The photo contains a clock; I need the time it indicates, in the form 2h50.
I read 9h06
